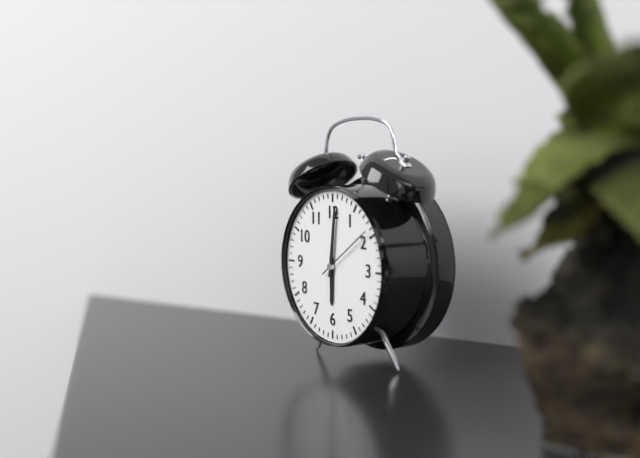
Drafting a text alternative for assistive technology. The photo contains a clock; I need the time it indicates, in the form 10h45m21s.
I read 6h01m09s
